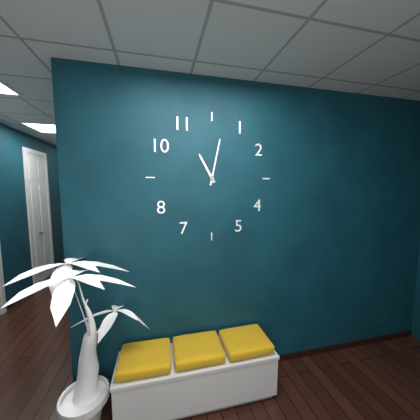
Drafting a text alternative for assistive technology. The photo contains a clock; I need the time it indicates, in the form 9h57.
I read 11h02
